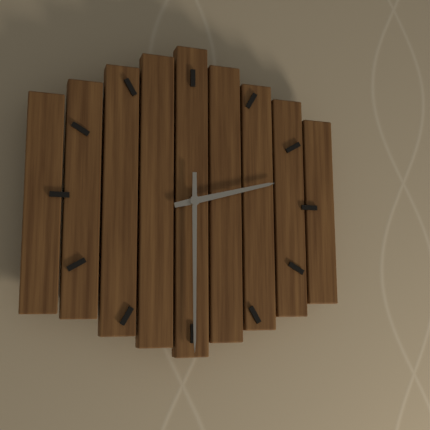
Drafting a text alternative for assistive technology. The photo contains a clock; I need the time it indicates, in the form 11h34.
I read 2h30
